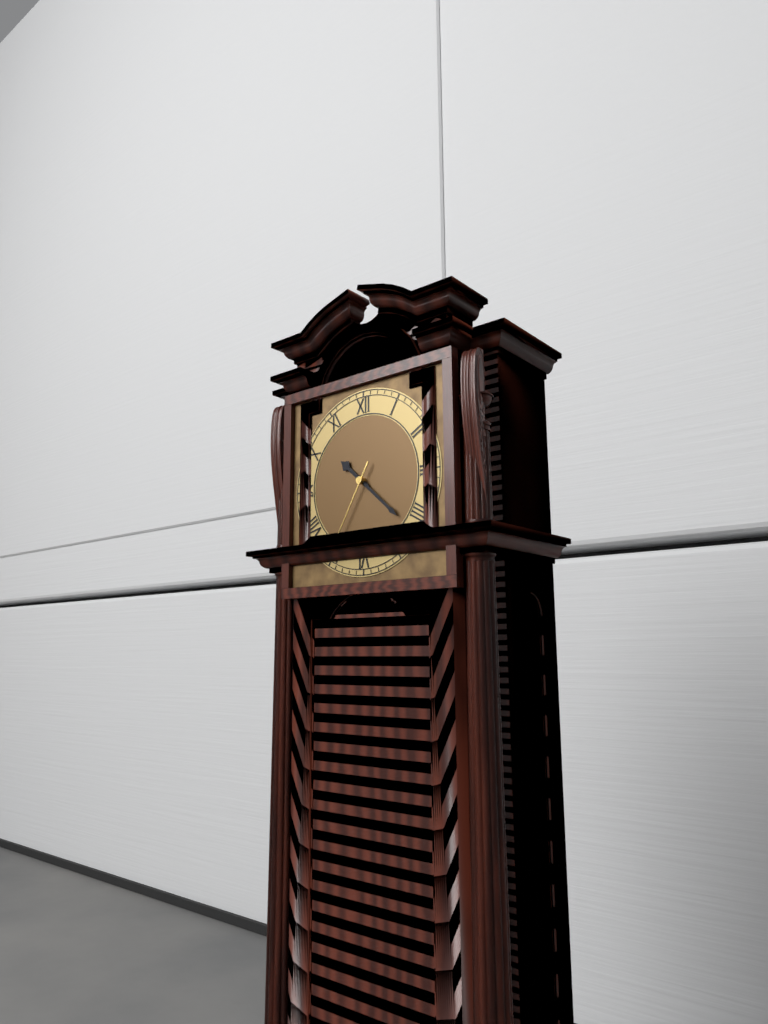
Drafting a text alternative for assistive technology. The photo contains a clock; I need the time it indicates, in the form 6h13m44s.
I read 10h22m35s
